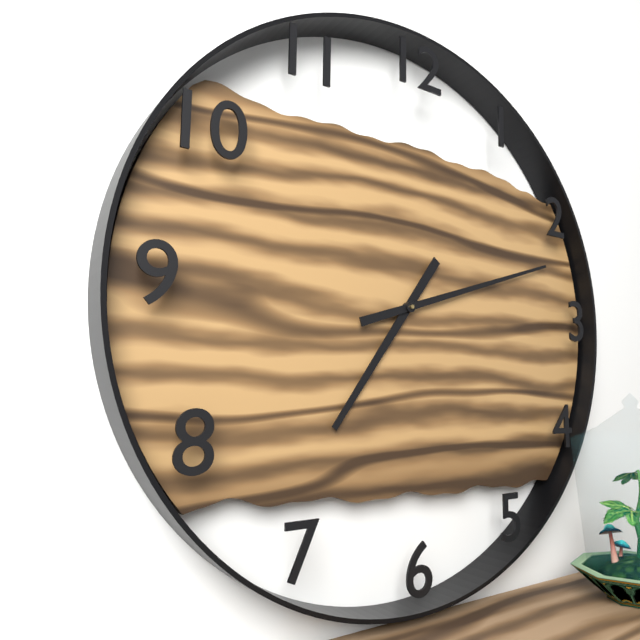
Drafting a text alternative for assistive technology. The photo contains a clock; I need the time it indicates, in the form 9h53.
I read 7h12
